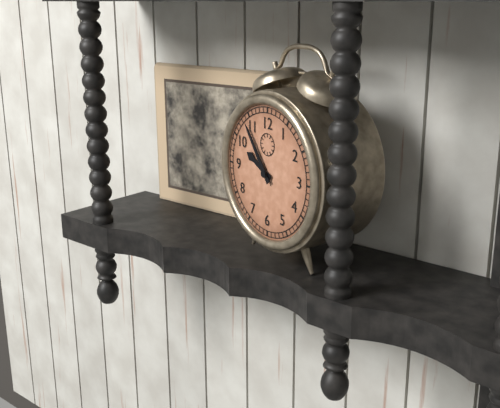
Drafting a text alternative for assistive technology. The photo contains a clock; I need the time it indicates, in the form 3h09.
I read 9h54
